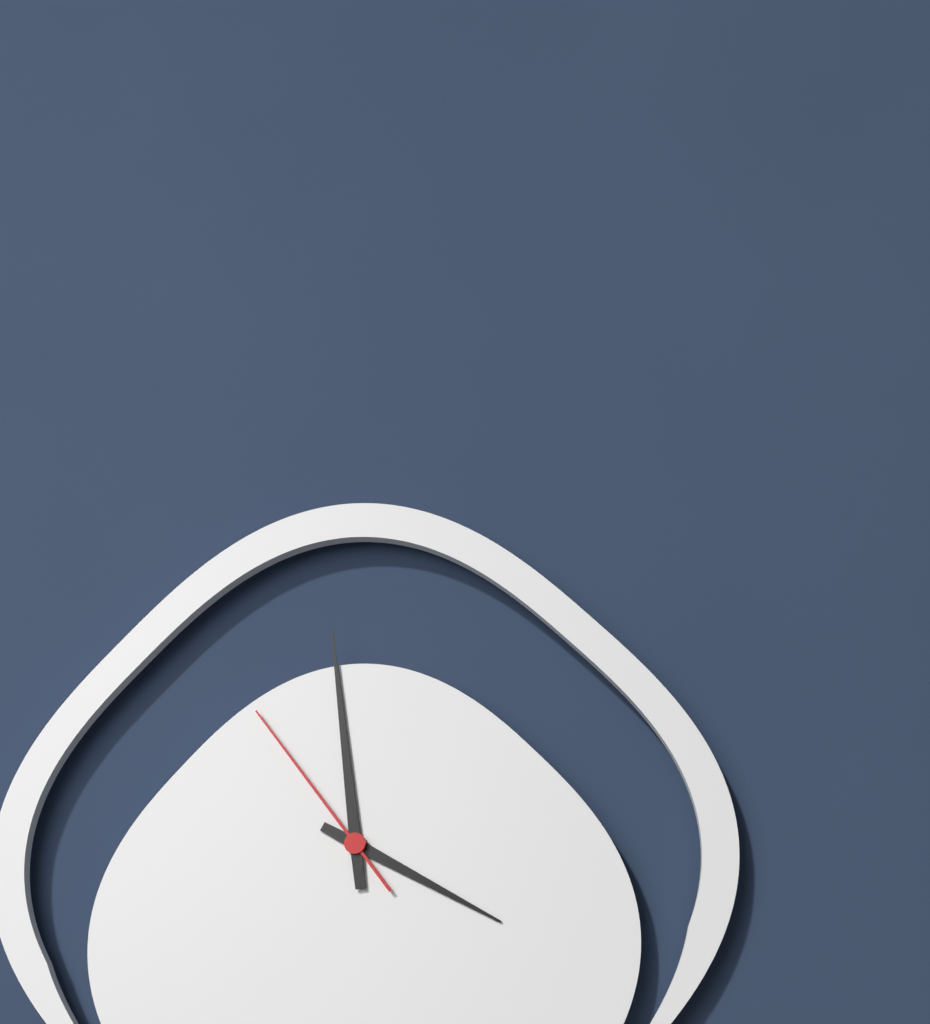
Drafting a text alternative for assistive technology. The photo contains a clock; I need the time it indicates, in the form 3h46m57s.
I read 3h59m54s
